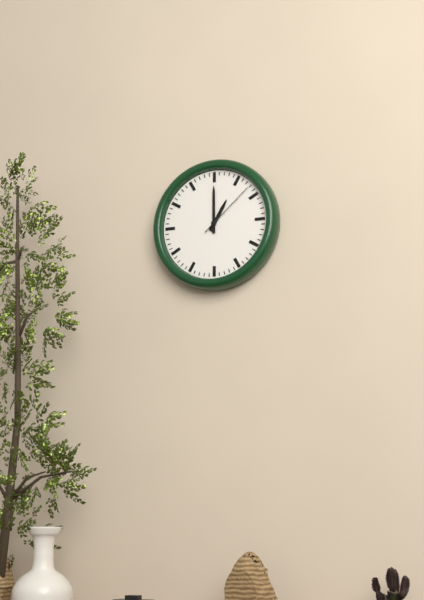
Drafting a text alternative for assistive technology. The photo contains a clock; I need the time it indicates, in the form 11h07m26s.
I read 1h00m08s
